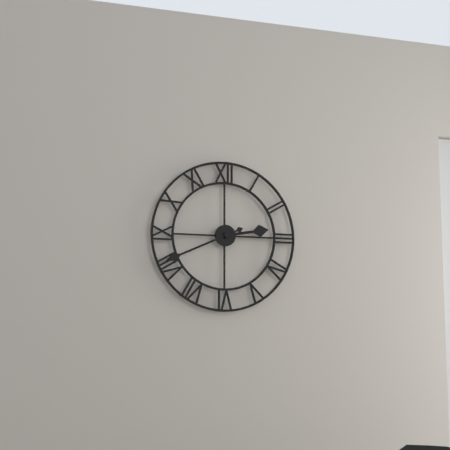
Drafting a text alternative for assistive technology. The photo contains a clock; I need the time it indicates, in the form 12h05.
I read 2h41
